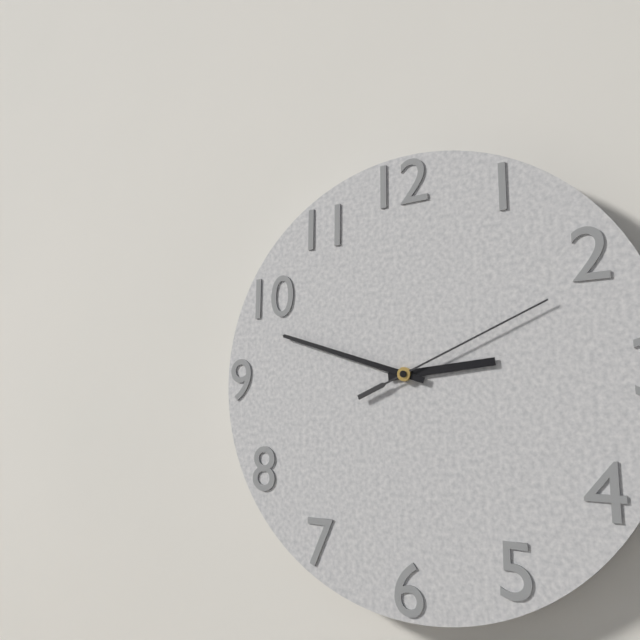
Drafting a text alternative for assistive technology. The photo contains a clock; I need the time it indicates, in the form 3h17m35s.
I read 2h48m11s
